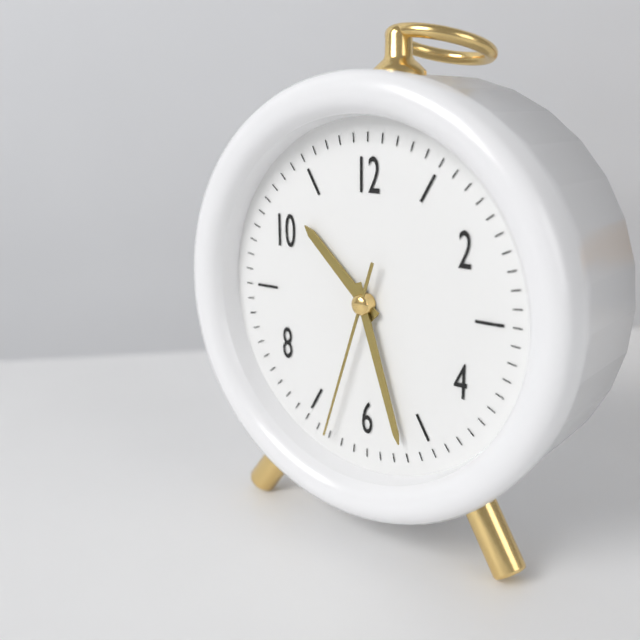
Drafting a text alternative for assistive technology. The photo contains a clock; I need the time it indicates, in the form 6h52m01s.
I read 10h27m33s
